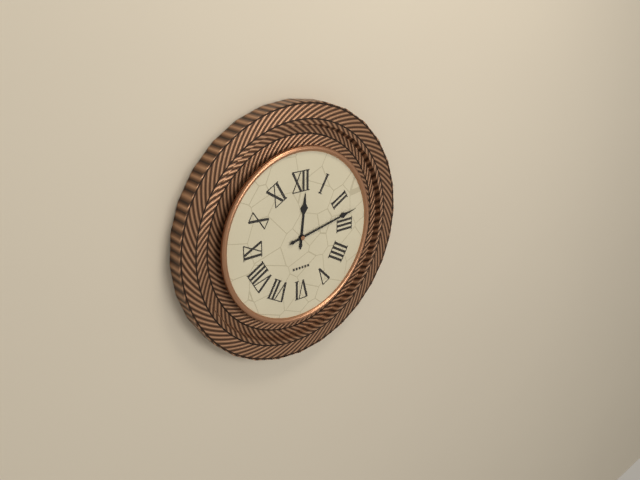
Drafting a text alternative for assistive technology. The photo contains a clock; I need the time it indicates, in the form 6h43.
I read 12h13
